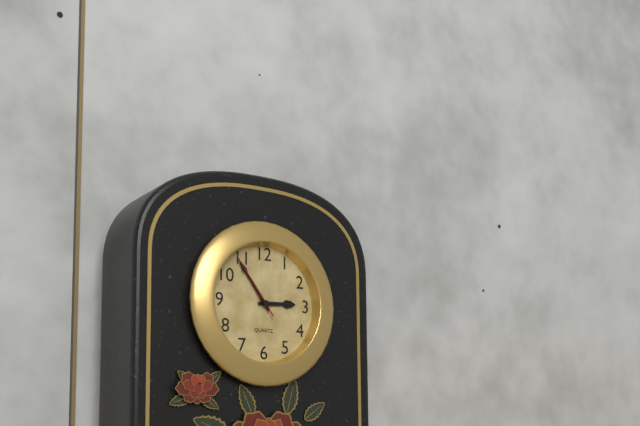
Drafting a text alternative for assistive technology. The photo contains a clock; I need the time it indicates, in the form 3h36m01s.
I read 2h54m54s
